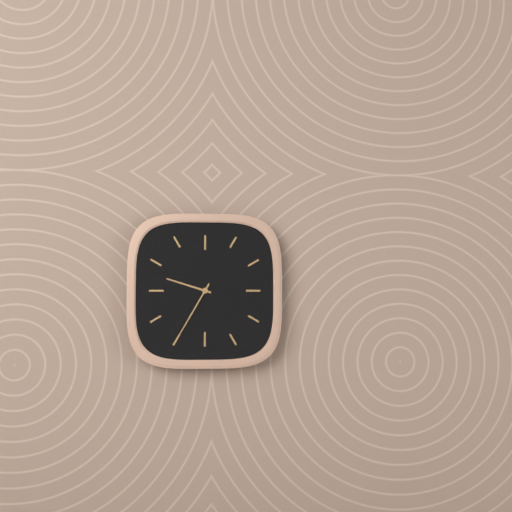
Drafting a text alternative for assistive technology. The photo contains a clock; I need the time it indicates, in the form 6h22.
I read 9h35
